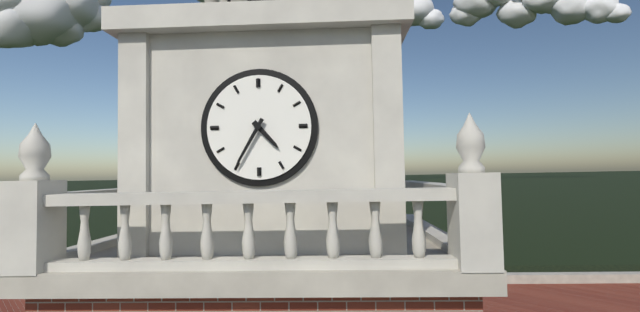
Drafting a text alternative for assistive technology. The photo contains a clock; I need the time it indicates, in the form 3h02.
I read 4h35
